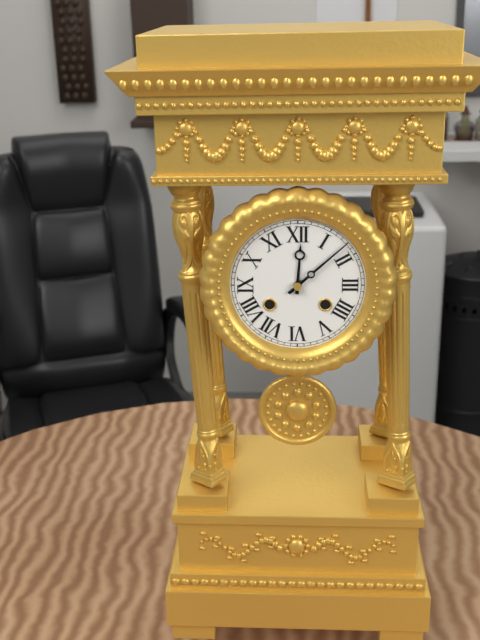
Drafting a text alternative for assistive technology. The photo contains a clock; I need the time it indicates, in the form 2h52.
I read 12h08
